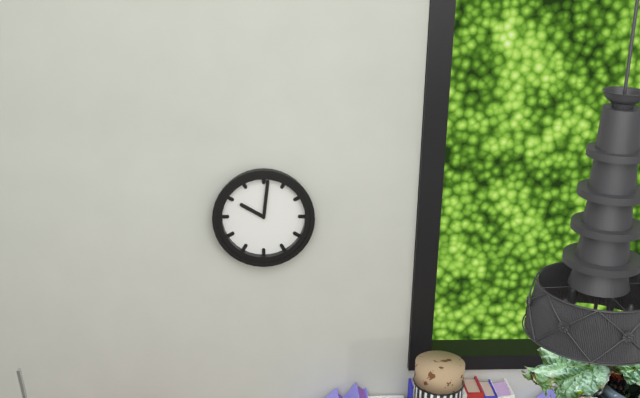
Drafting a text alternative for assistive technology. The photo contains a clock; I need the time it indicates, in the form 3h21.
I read 10h01
